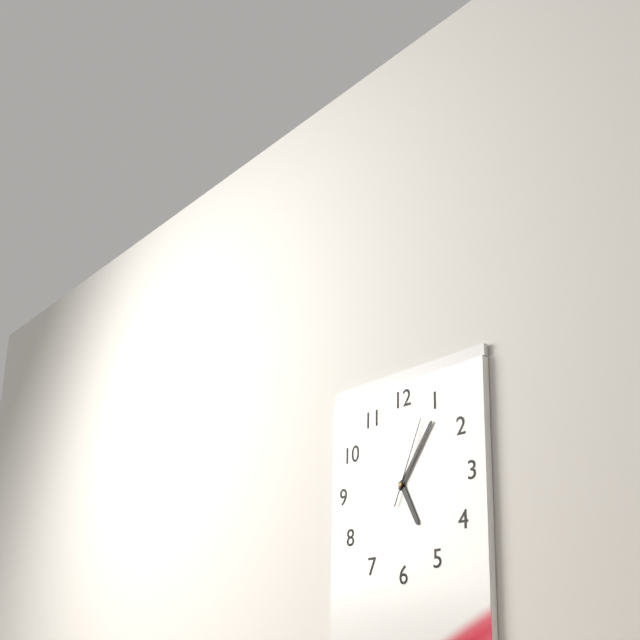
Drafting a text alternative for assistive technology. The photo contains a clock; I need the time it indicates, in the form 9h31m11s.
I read 5h06m04s
